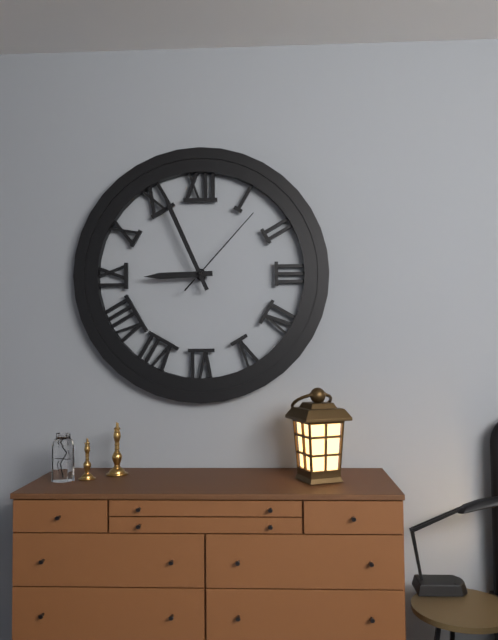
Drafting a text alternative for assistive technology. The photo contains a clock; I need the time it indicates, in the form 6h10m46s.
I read 8h56m07s
